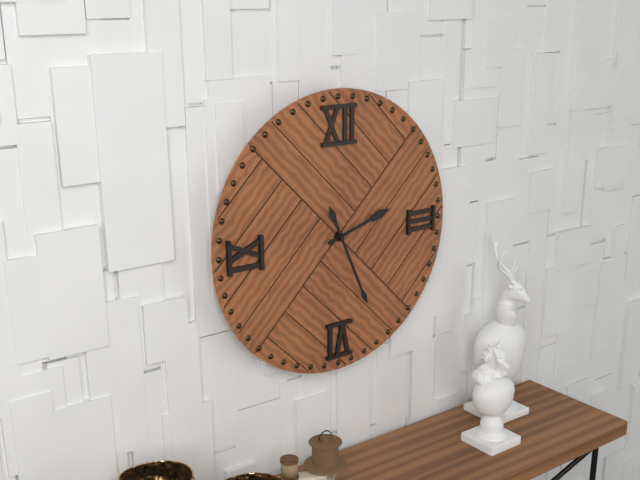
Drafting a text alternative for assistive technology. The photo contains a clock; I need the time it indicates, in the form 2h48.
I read 2h26
